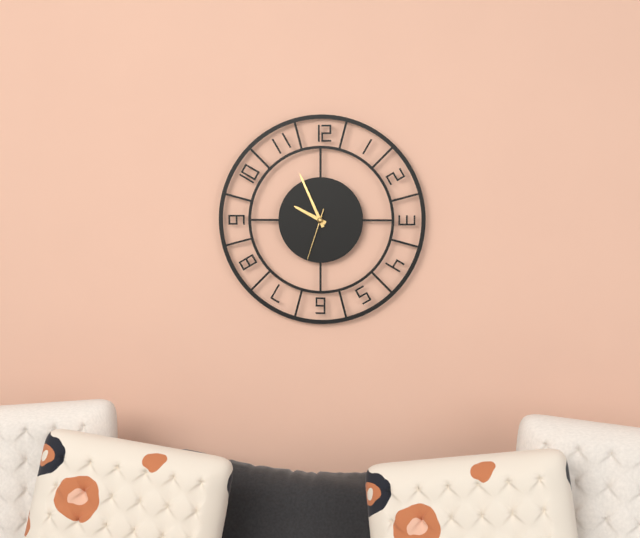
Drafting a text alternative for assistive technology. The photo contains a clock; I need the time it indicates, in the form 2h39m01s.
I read 9h56m33s
